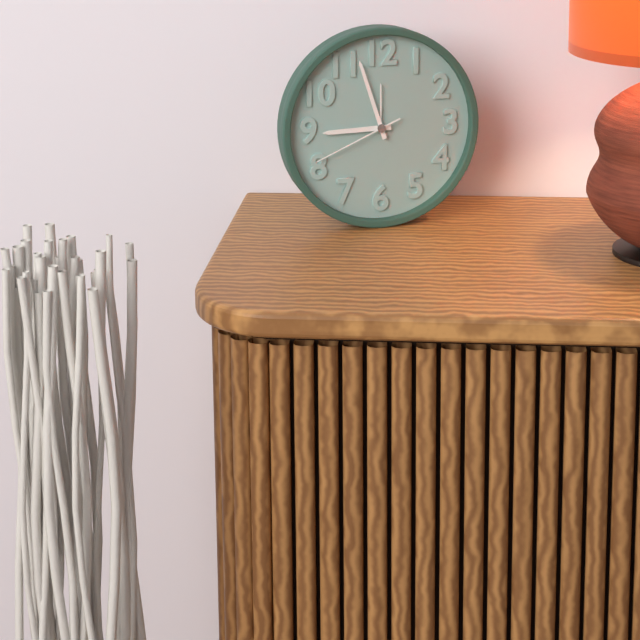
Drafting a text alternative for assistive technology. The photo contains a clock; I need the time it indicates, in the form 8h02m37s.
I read 8h57m41s
